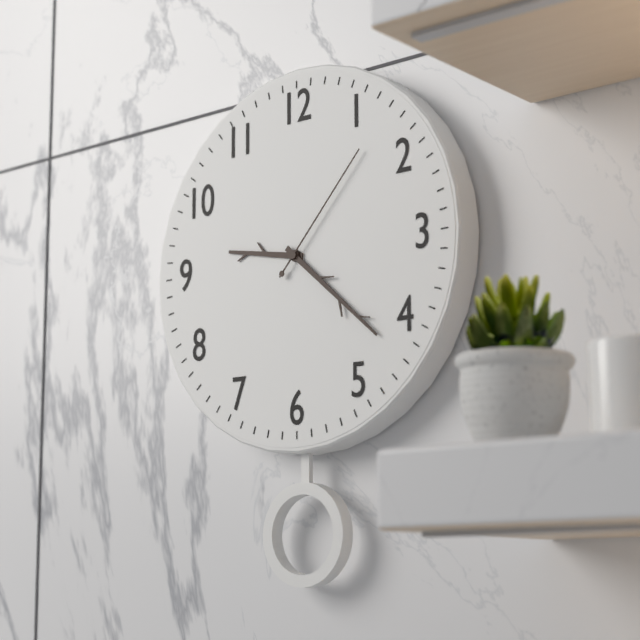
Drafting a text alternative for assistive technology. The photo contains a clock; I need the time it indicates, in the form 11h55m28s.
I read 9h22m07s
